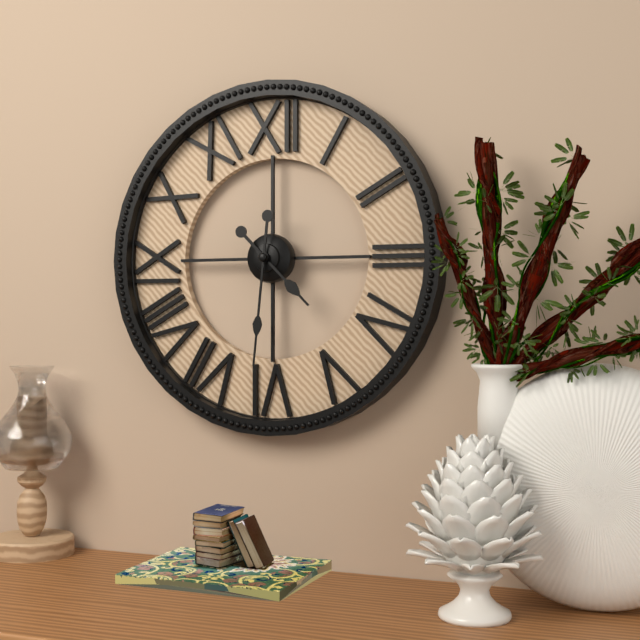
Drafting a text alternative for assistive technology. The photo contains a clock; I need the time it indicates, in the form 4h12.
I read 4h31
